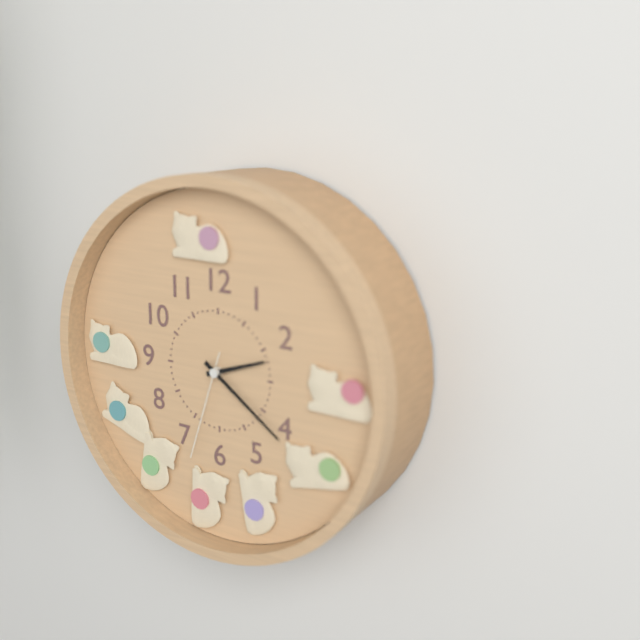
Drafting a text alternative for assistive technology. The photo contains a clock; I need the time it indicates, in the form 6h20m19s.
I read 2h21m33s
